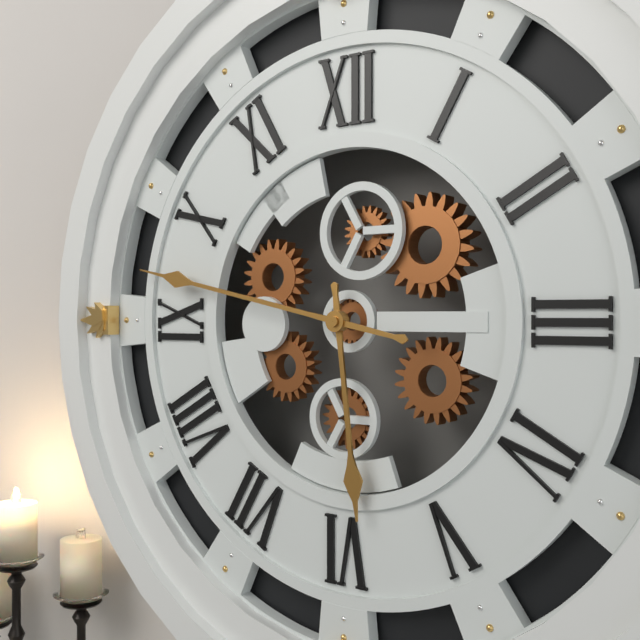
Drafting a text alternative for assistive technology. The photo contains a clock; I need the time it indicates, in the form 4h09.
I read 5h47
